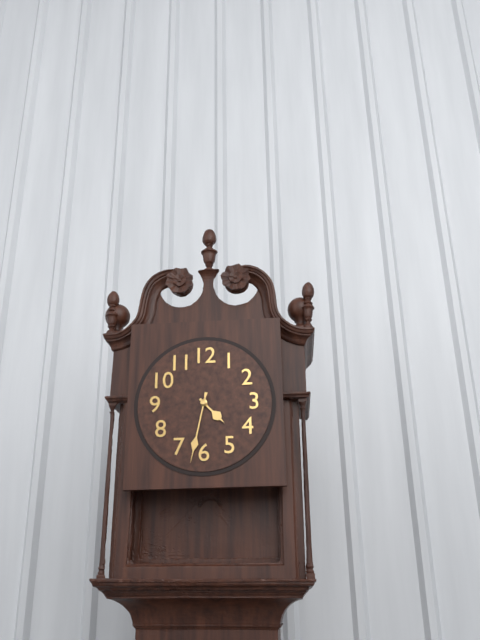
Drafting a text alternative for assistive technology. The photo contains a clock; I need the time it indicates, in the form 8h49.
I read 4h32
